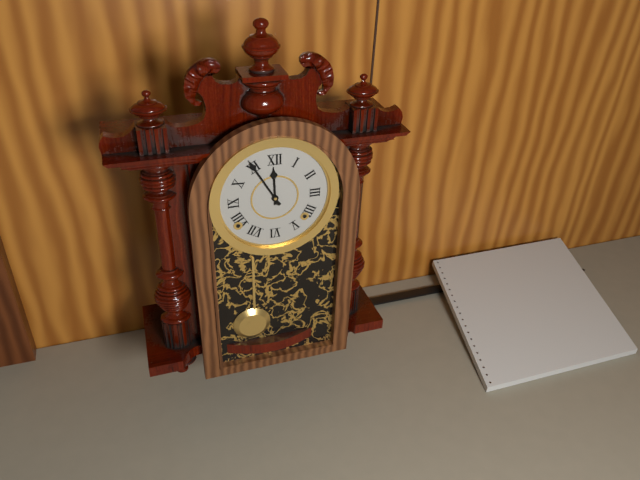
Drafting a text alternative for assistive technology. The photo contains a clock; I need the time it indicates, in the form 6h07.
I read 11h55
